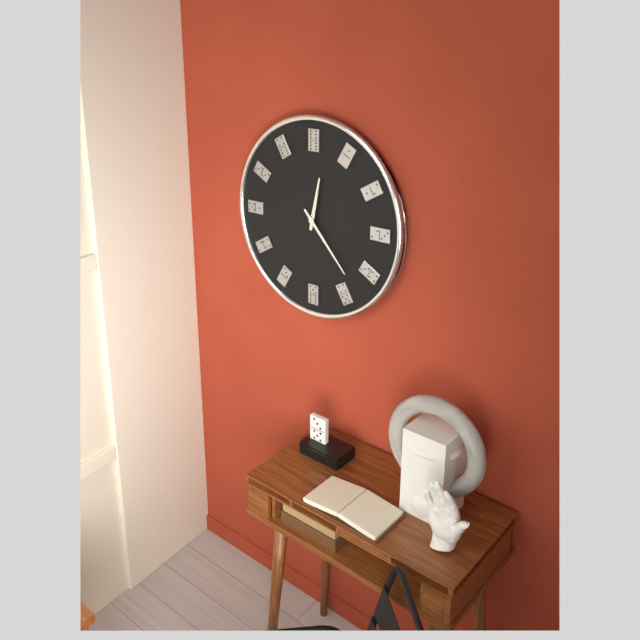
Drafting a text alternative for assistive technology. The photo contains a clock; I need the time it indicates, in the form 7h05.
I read 12h23
